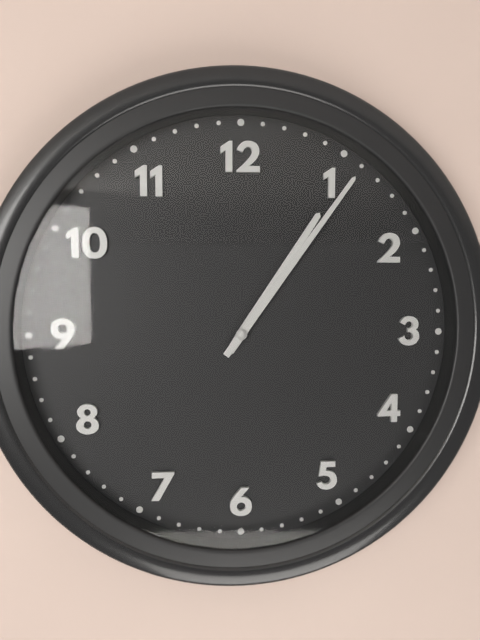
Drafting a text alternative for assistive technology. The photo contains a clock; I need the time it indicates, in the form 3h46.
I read 1h06
